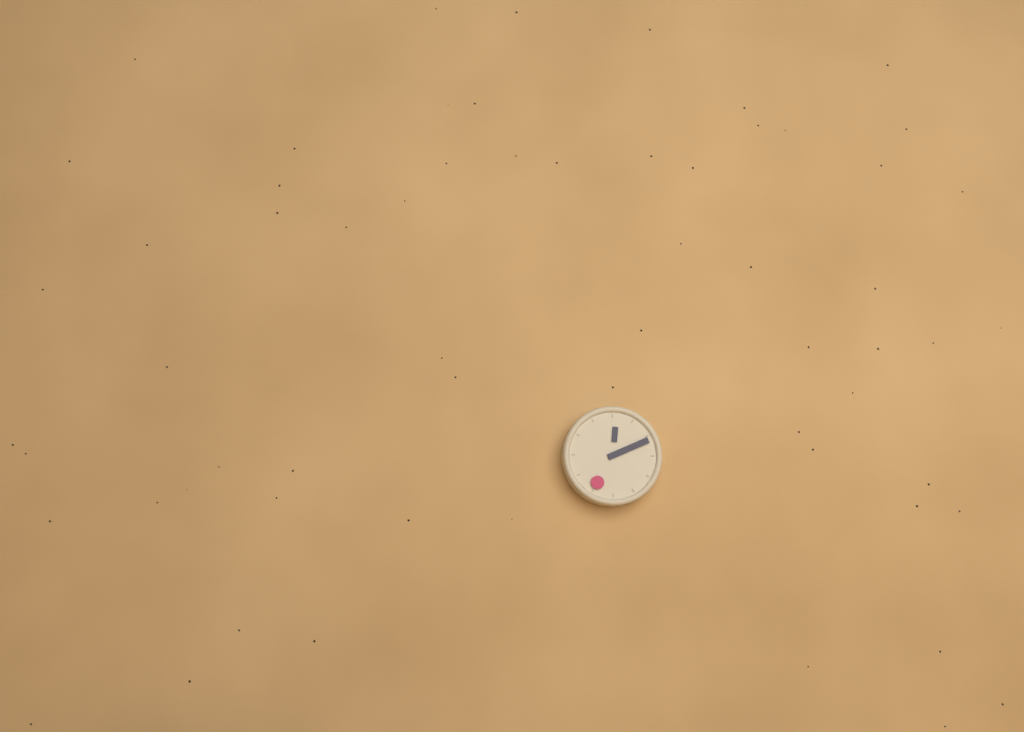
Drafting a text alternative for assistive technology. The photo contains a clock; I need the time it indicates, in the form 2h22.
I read 12h11
